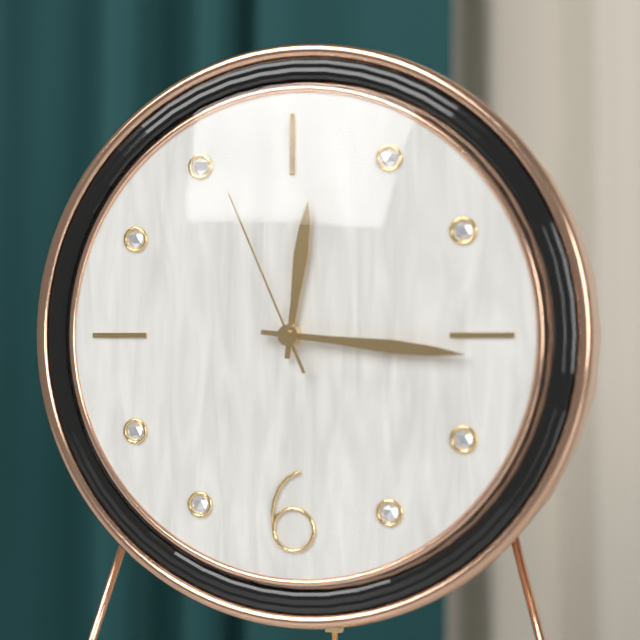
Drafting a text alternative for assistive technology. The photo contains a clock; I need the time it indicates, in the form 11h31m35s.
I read 12h16m56s
